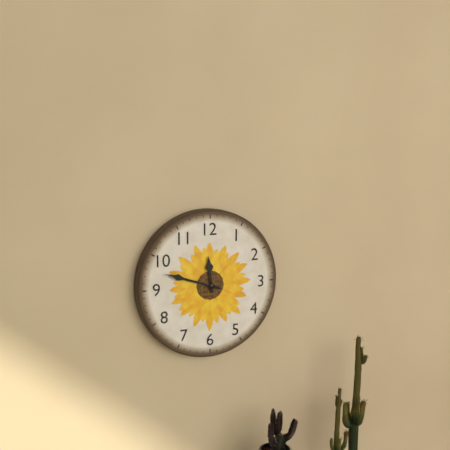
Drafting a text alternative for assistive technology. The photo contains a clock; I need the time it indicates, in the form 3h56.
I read 11h48
